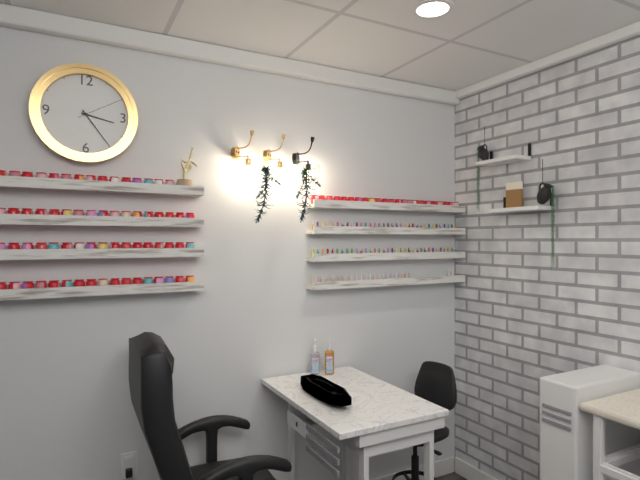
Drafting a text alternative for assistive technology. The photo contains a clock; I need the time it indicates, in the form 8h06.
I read 3h24
